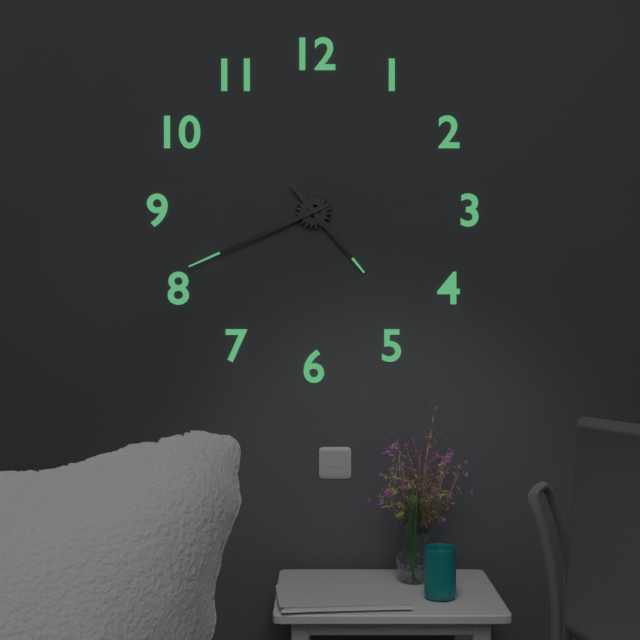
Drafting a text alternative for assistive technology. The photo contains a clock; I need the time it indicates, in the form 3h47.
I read 4h41
